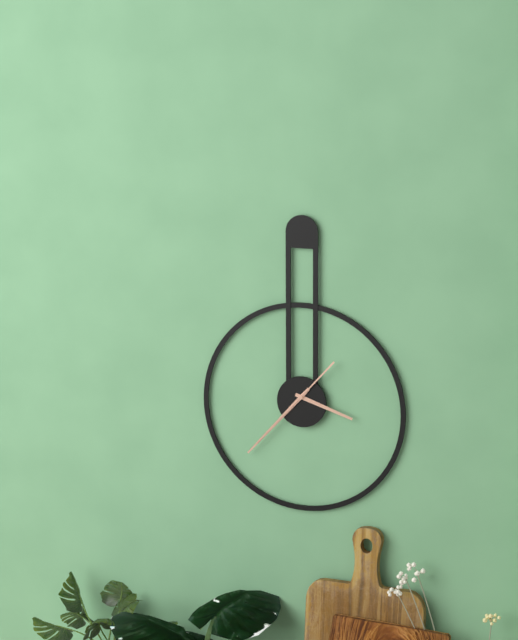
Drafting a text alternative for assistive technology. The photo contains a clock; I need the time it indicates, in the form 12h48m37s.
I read 3h37m37s
